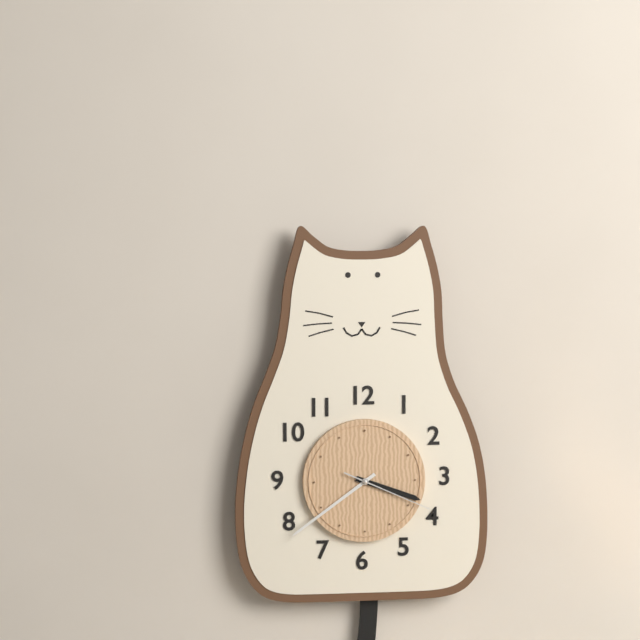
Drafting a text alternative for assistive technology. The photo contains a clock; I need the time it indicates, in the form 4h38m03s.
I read 3h39m19s
